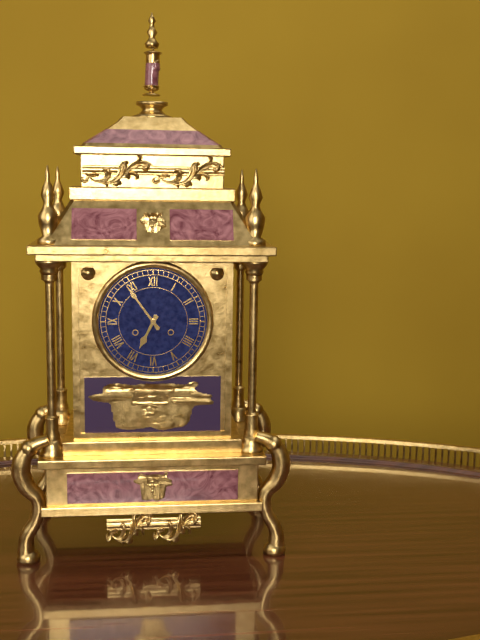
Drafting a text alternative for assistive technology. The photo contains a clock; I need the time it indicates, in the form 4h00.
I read 6h54
